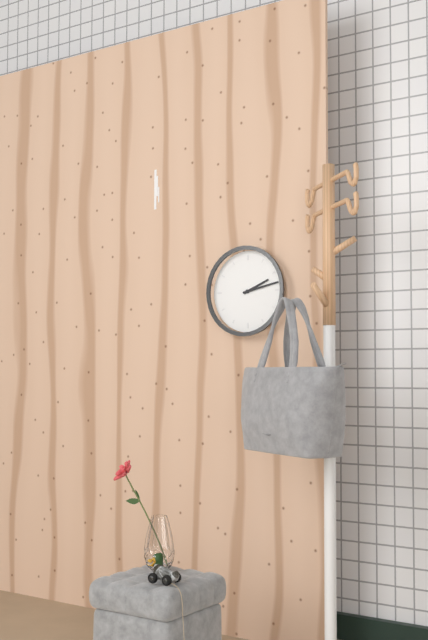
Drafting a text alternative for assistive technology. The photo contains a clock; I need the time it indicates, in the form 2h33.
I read 2h13
